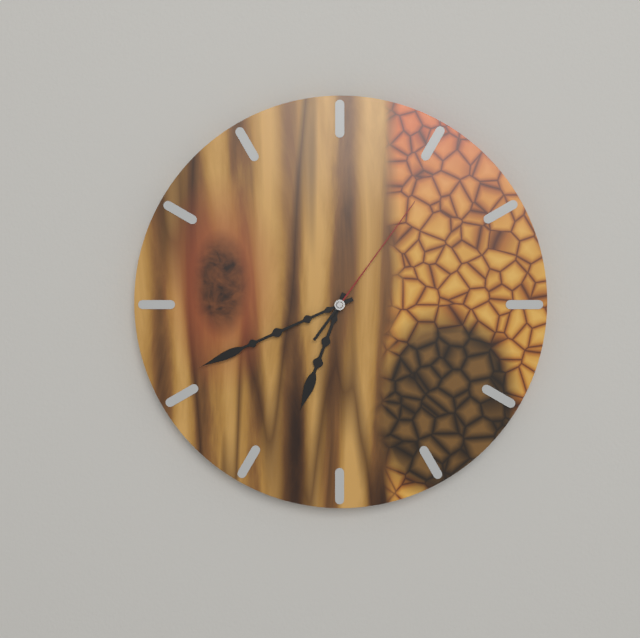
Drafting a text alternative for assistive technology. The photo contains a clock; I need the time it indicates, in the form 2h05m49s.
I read 6h41m06s
